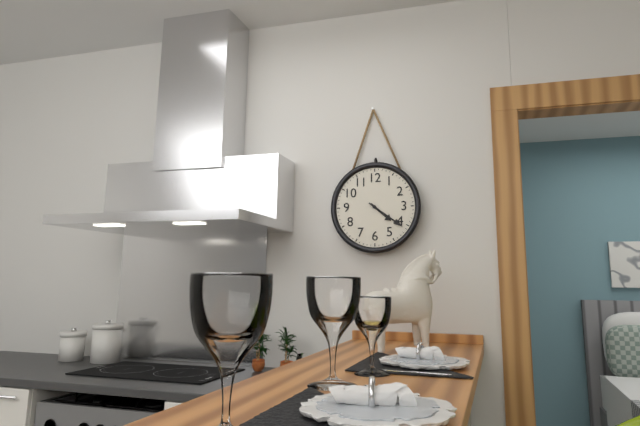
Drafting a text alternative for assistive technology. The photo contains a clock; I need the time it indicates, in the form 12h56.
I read 4h21
